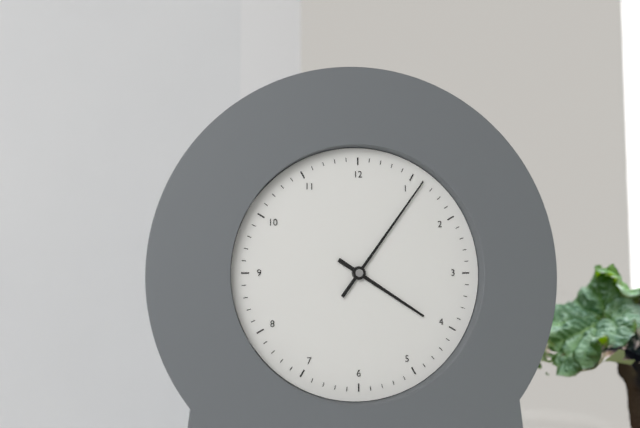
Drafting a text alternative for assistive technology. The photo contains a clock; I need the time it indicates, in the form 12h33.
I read 4h06
